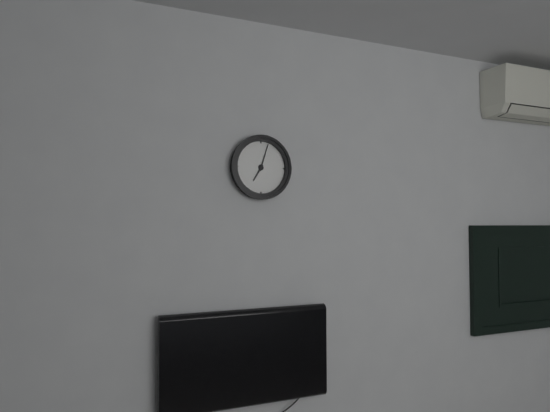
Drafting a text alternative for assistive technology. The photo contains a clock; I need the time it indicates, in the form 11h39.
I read 7h03
